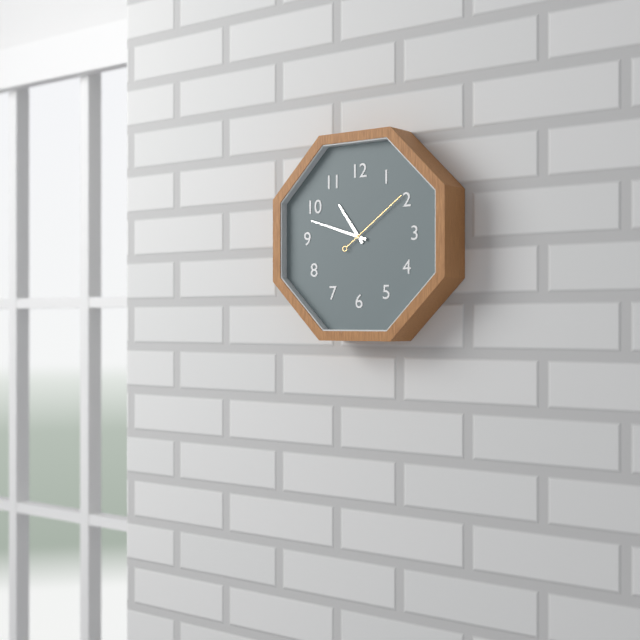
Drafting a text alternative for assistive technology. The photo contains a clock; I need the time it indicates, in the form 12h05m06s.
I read 10h48m09s
